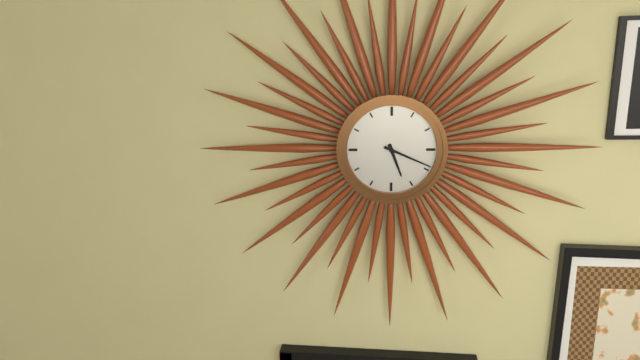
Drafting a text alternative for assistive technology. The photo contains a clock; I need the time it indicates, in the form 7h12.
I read 5h19
